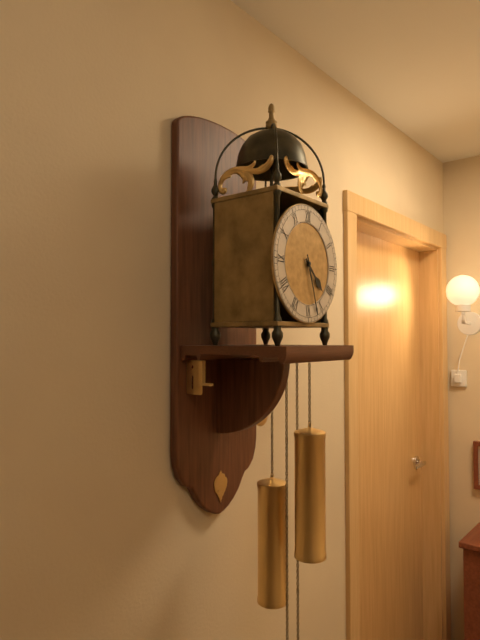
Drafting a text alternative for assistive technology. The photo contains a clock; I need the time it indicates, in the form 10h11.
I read 4h27
